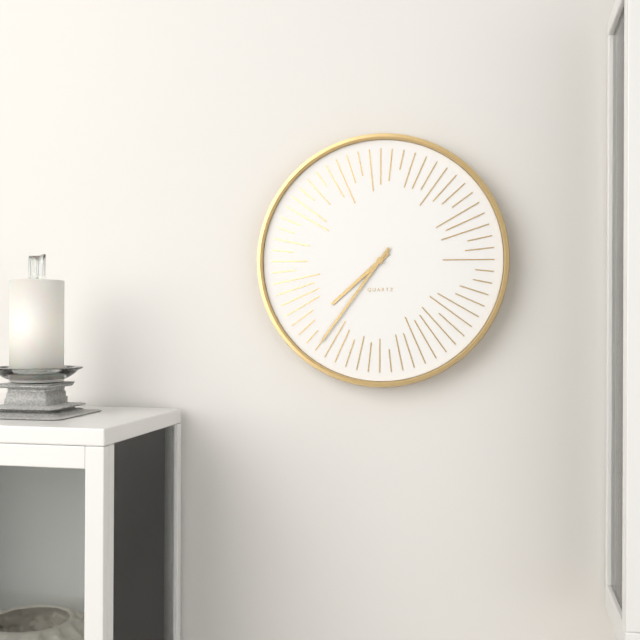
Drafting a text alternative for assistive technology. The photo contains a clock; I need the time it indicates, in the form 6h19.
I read 7h36
